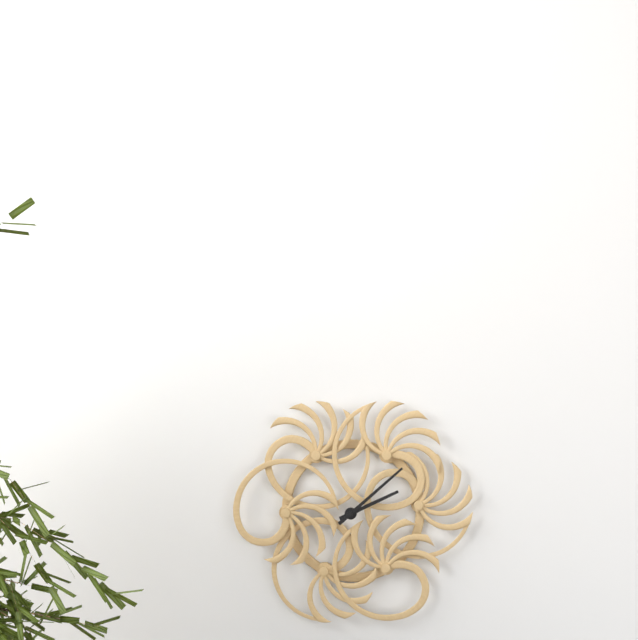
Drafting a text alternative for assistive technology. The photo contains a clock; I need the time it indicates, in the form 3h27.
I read 2h08
